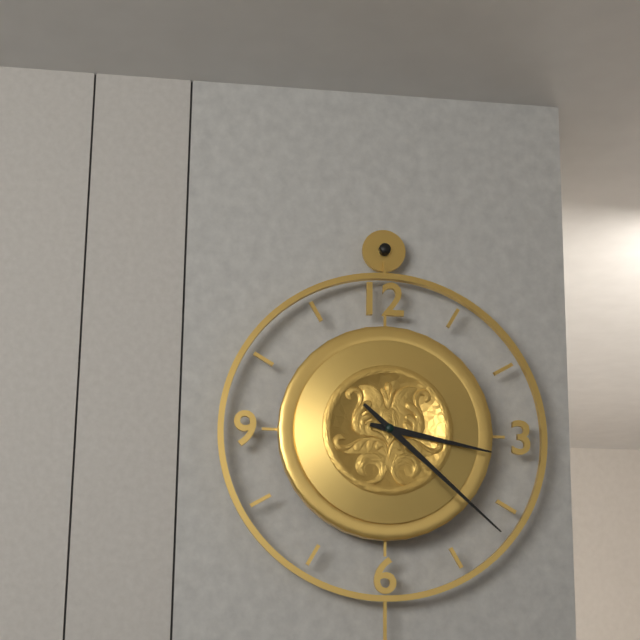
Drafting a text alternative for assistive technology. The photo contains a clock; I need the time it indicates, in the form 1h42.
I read 3h22
